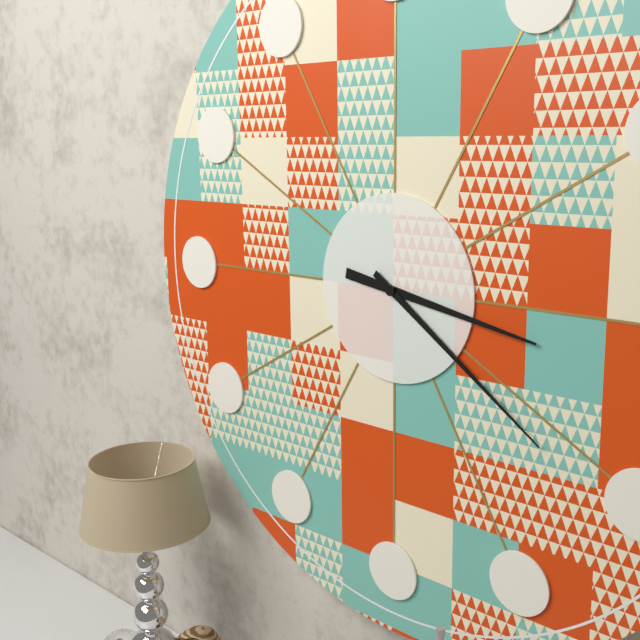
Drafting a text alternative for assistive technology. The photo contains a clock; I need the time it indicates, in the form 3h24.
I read 3h21
